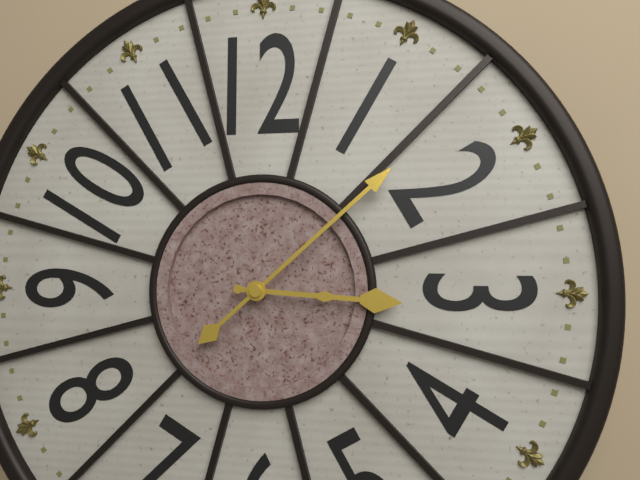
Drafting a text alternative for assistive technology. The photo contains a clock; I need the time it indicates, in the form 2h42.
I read 3h08
